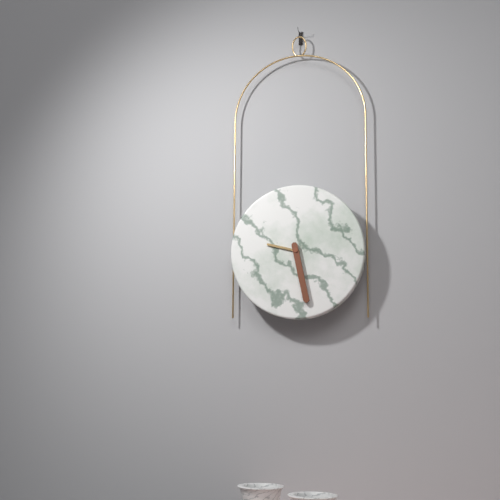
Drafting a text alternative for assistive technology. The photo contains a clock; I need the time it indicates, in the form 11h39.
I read 9h28
